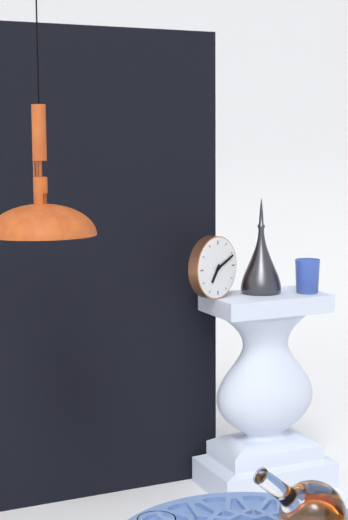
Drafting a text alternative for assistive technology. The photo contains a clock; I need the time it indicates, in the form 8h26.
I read 7h11
